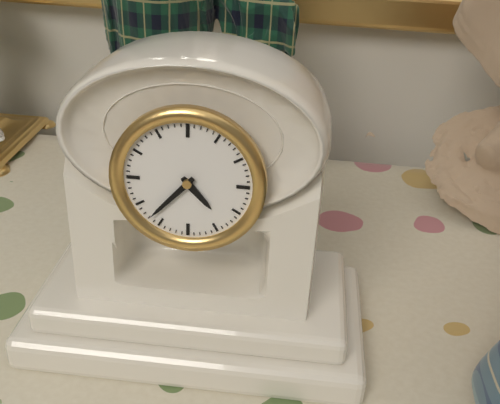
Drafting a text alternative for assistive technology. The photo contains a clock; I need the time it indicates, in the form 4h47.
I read 4h37
